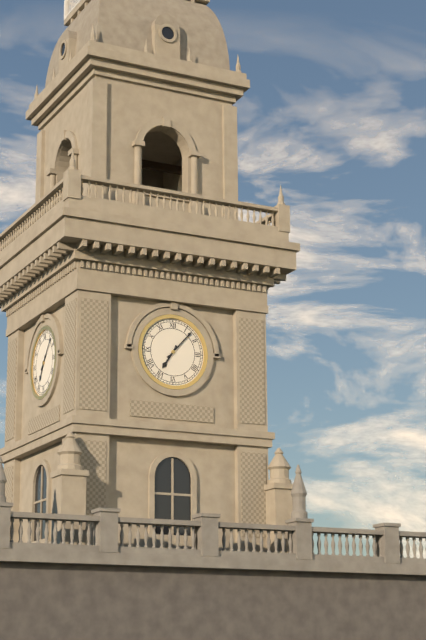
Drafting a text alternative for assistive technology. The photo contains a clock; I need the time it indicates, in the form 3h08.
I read 7h07
